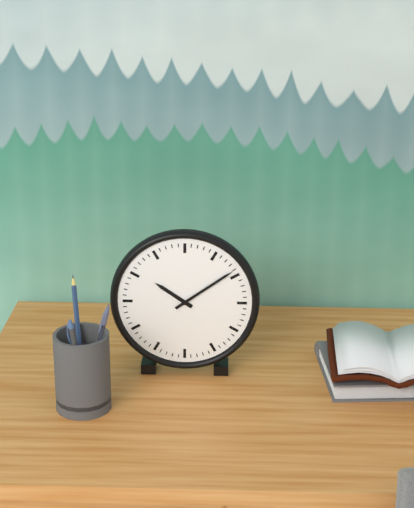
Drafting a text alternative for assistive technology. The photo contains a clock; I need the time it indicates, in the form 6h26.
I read 10h09
